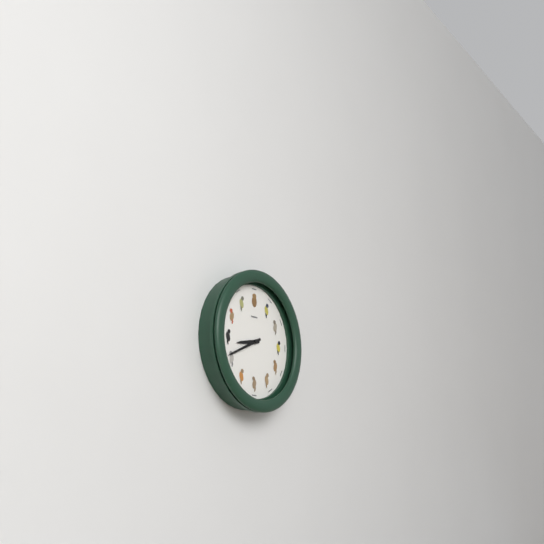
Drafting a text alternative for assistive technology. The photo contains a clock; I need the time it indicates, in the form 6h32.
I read 8h41
